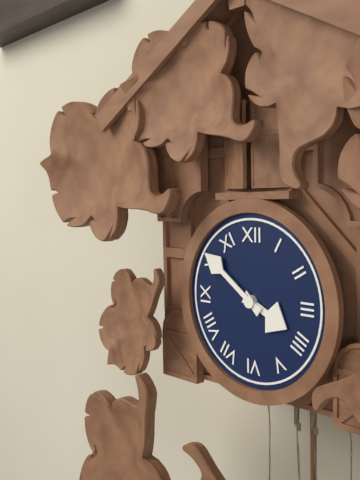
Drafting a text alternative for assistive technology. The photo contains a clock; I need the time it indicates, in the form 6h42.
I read 3h51
